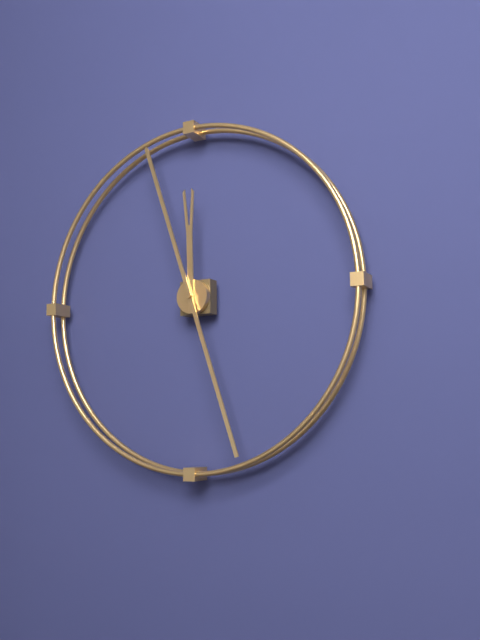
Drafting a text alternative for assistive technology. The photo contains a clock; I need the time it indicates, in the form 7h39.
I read 11h57
